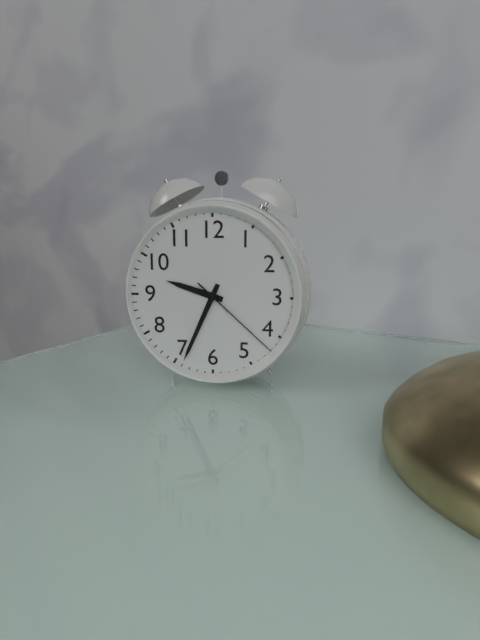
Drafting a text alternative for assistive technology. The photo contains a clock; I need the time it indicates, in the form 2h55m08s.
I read 9h34m22s
